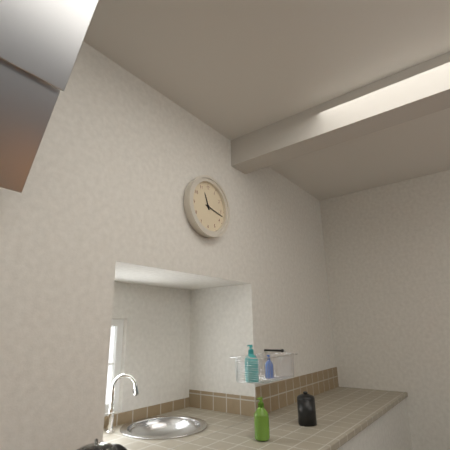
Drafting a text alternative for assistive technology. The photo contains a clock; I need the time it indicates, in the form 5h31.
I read 11h17
